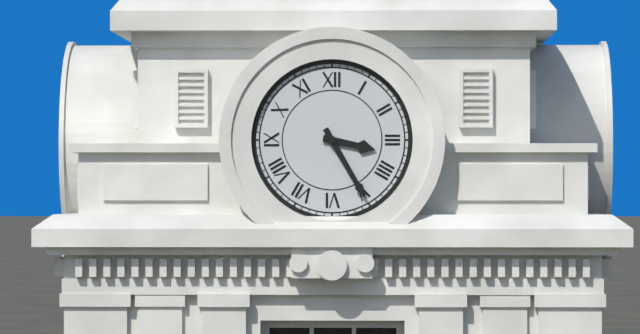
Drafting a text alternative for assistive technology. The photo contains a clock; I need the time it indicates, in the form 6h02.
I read 3h25
